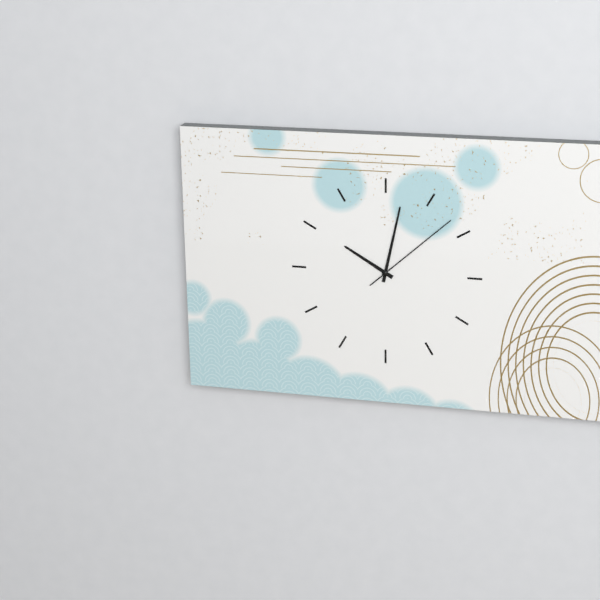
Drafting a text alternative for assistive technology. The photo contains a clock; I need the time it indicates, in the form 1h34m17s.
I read 10h02m08s
